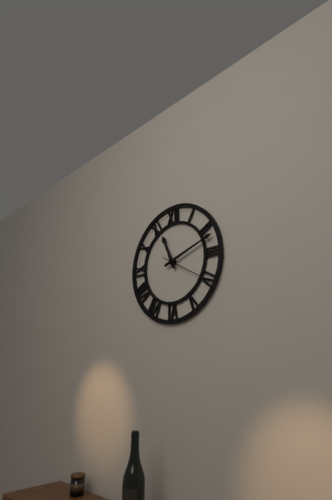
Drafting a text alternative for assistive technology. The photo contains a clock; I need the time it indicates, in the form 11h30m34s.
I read 11h12m20s
